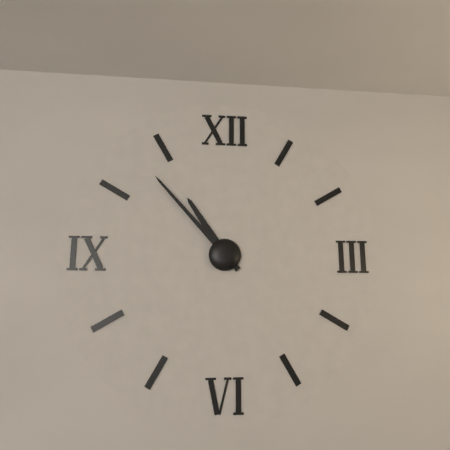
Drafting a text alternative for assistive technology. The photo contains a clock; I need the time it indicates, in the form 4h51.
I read 10h53
